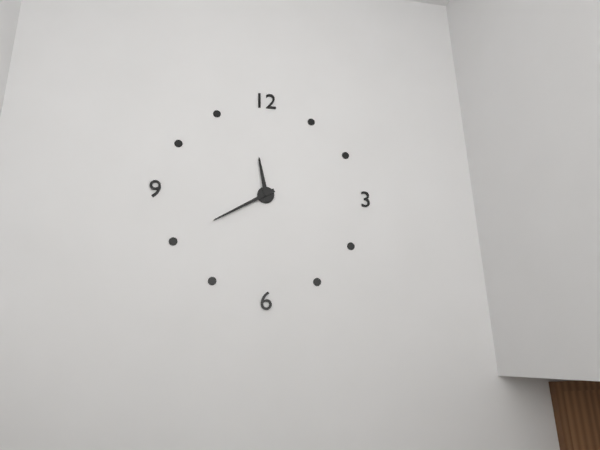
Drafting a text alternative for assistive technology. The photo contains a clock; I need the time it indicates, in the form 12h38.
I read 11h40
